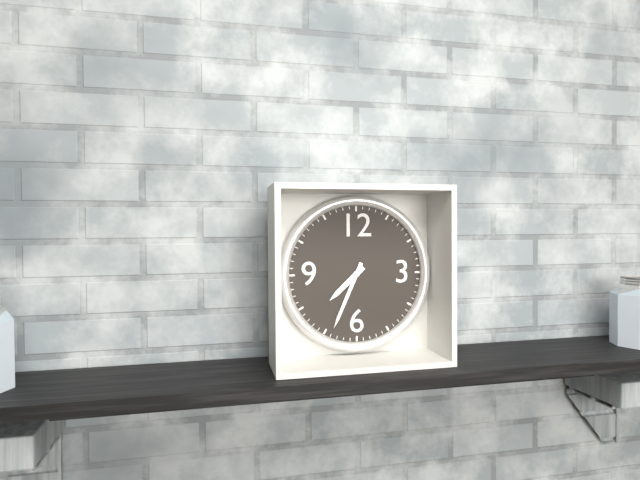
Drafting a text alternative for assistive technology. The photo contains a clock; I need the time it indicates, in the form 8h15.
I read 7h34
